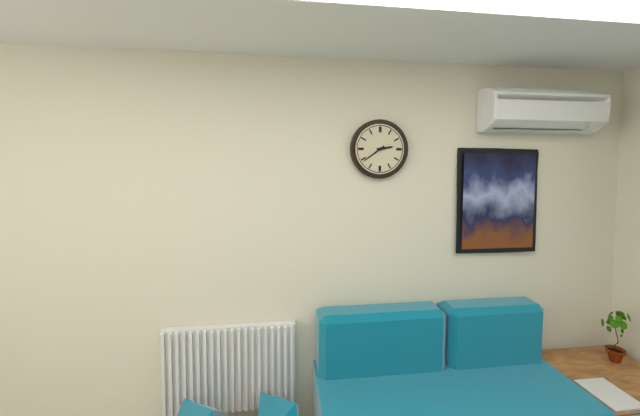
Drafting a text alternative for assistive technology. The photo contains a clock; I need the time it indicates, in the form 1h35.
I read 2h39
